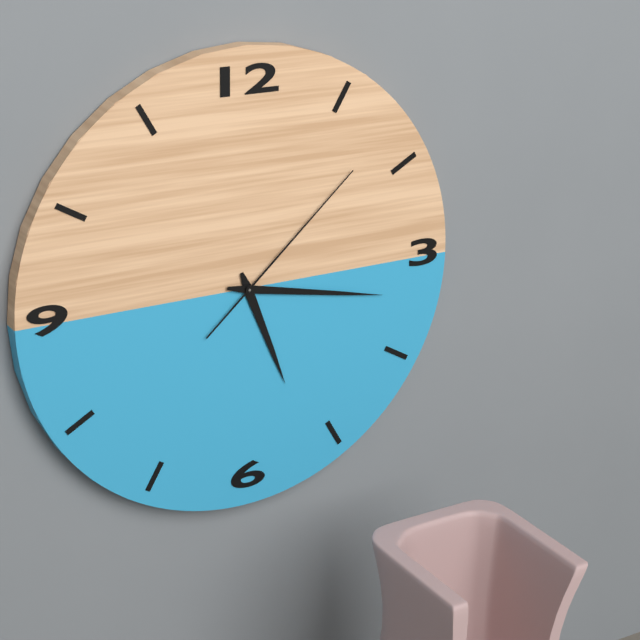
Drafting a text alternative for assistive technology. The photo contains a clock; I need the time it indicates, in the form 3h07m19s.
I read 5h17m08s
